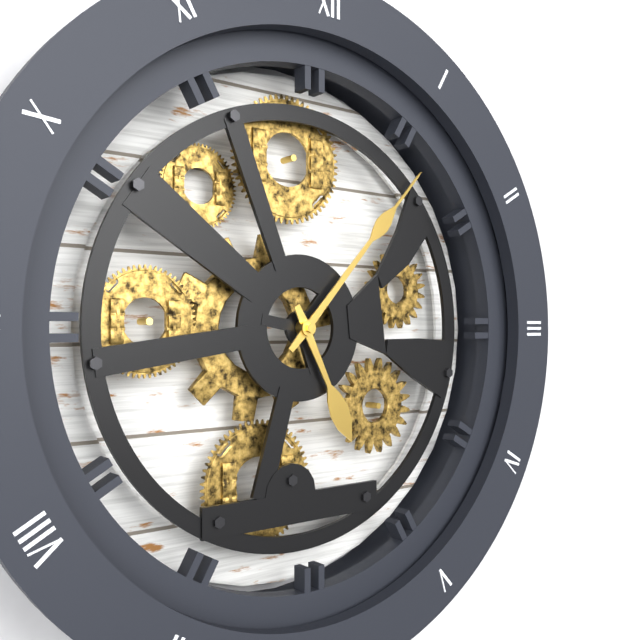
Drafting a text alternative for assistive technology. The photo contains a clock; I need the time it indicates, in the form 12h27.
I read 5h07
